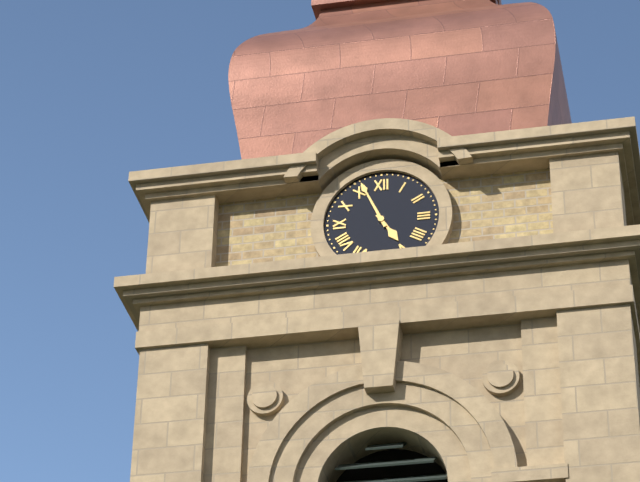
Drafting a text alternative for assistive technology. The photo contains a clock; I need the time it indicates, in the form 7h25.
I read 4h56
